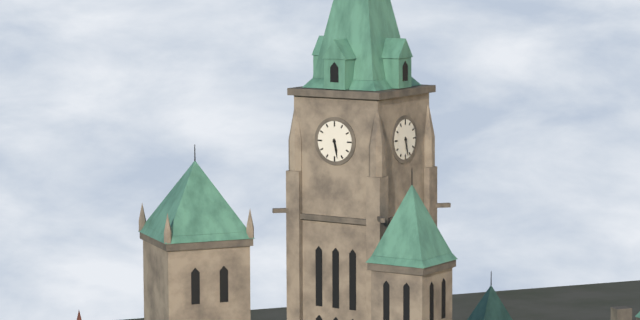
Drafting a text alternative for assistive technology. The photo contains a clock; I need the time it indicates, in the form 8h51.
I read 5h28
